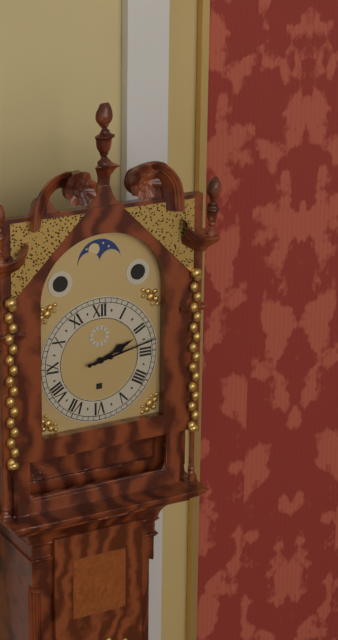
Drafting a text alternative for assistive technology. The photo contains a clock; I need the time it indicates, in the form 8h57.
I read 2h13
